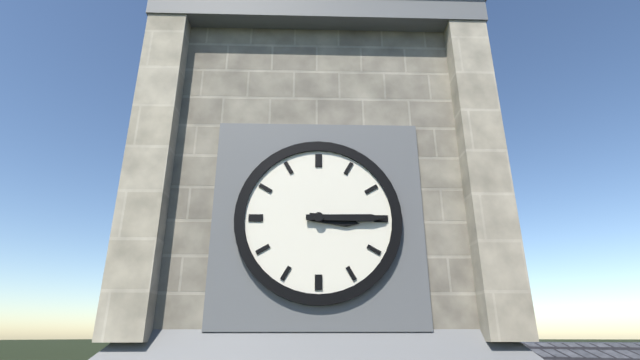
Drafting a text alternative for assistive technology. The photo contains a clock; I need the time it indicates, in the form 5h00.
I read 3h15
